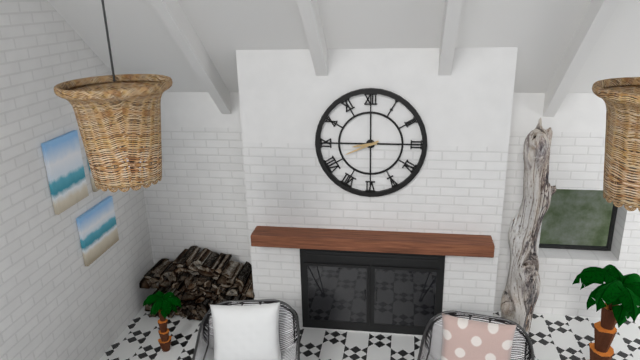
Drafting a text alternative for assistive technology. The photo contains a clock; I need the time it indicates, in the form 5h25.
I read 8h41
